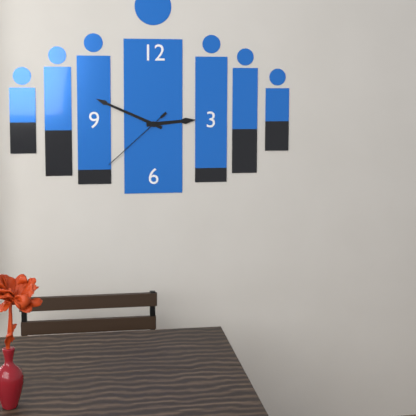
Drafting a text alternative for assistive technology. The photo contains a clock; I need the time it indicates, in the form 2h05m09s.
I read 2h49m38s
